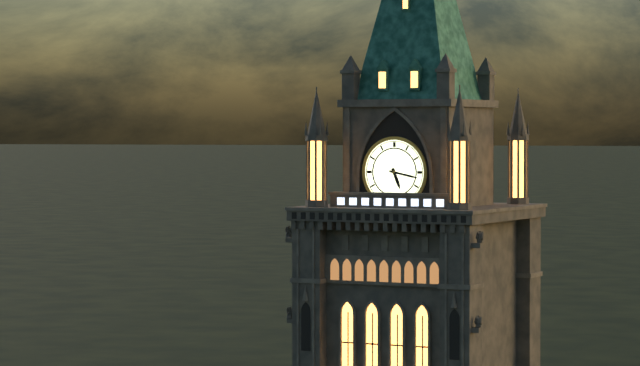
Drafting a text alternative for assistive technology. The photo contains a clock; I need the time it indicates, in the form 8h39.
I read 5h17
